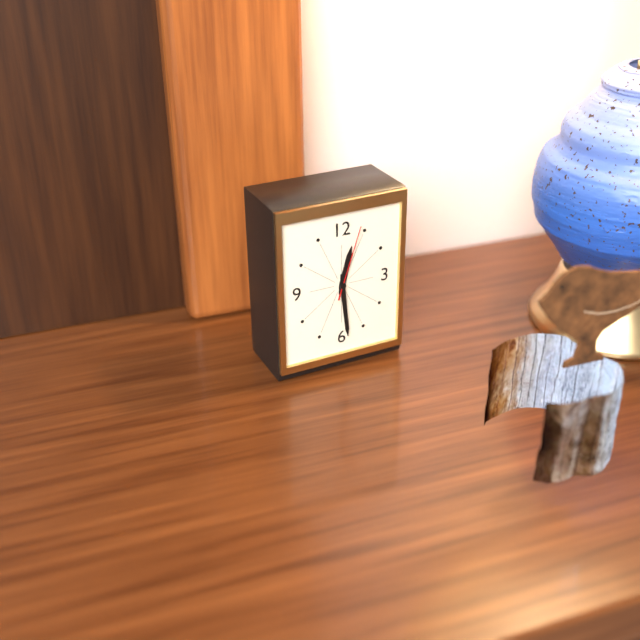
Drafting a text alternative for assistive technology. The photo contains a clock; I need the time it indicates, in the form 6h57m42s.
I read 12h29m03s
